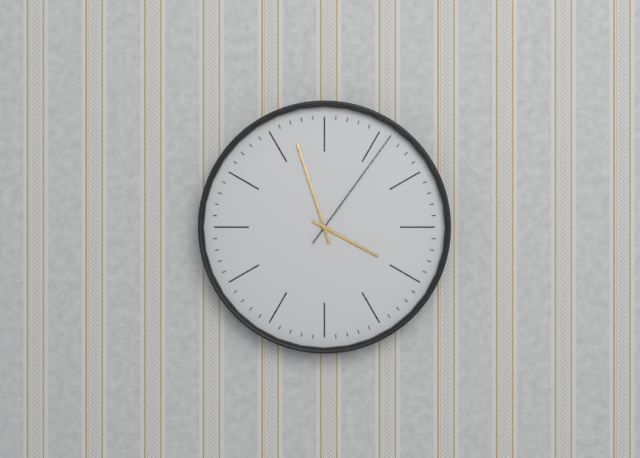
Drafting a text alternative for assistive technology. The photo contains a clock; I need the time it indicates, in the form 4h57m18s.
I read 3h57m06s
